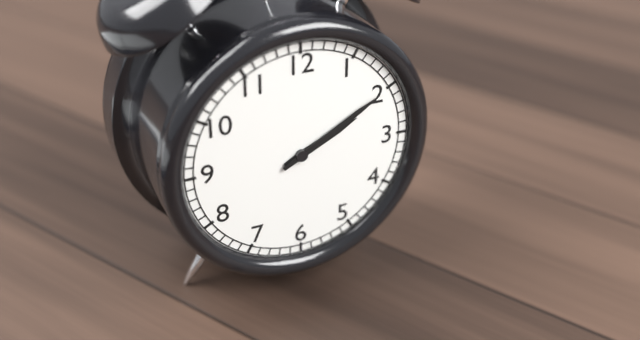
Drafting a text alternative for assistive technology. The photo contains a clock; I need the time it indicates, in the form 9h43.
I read 2h10
